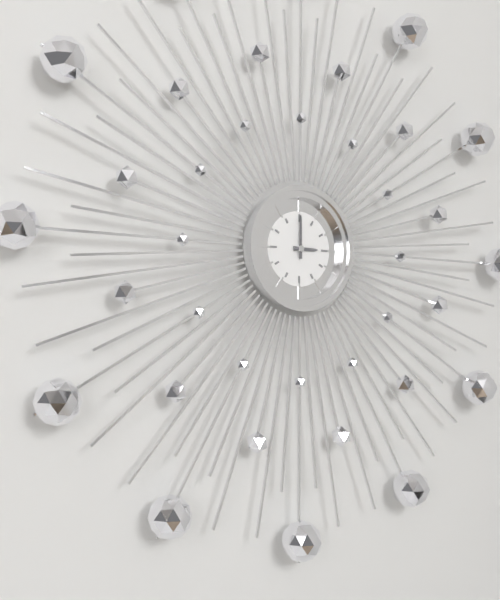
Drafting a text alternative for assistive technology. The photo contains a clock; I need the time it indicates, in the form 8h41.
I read 3h00
